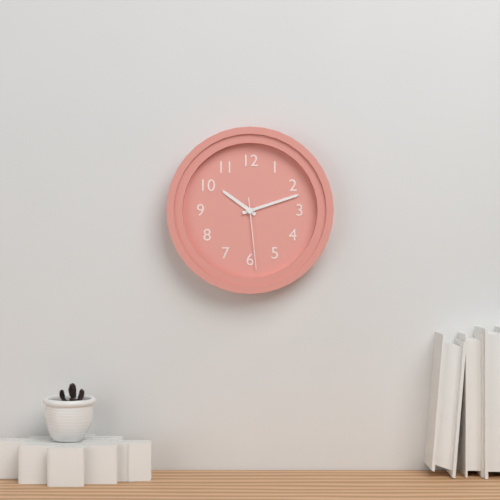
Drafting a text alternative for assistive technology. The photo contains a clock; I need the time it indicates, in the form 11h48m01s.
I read 10h12m29s
